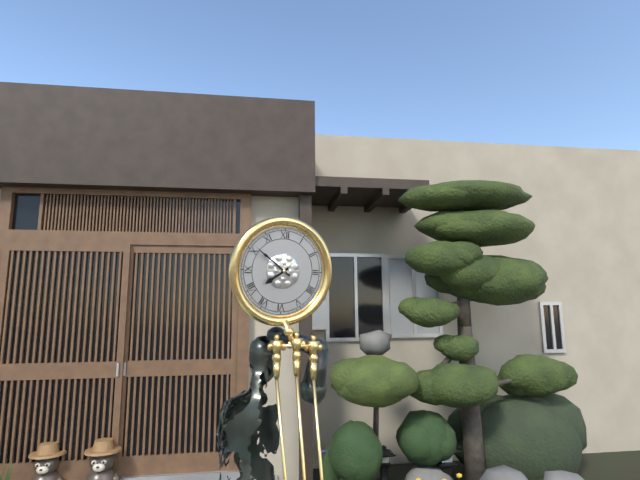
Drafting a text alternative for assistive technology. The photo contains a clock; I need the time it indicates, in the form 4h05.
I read 7h51
